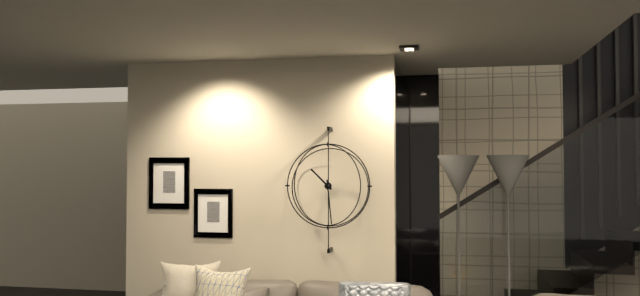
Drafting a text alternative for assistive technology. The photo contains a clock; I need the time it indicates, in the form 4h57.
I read 10h29
